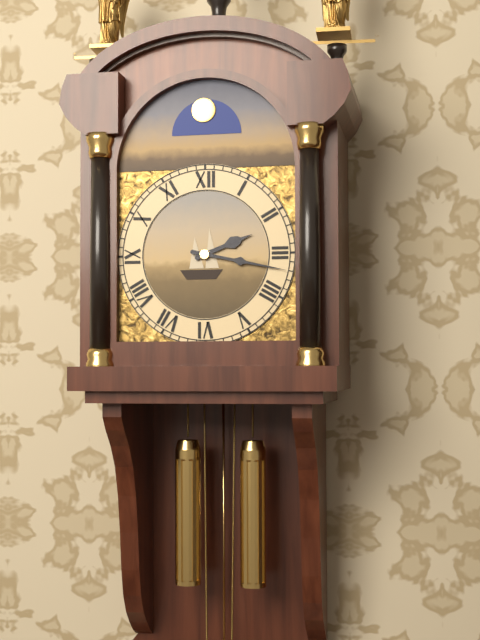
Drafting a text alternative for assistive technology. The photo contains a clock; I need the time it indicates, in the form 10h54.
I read 2h17
